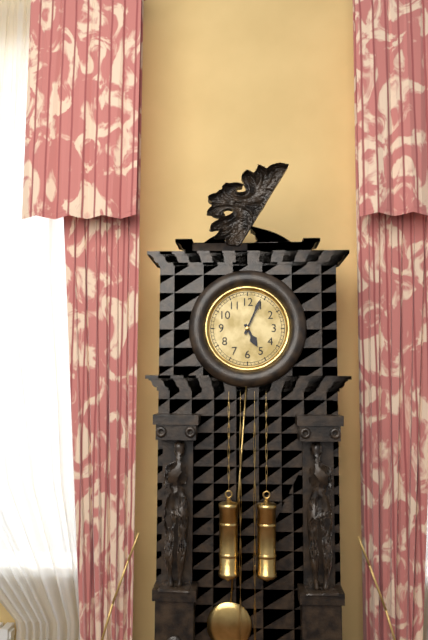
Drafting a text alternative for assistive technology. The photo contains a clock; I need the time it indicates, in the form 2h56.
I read 5h04
